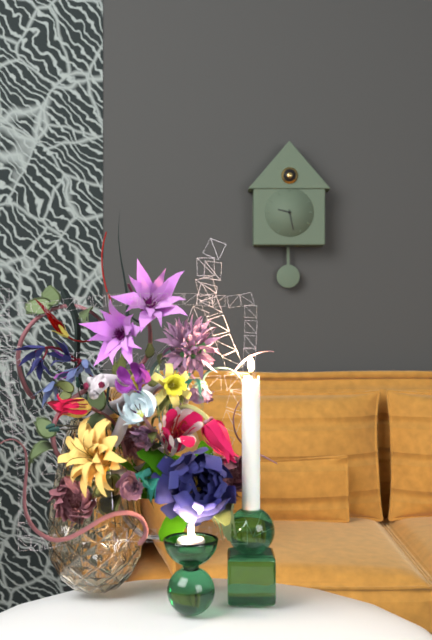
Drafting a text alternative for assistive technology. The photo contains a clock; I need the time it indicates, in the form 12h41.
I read 9h28
